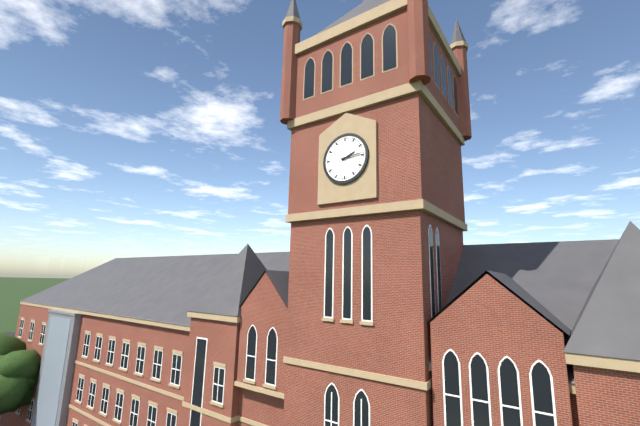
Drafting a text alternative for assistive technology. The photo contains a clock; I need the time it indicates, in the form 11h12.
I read 2h14
